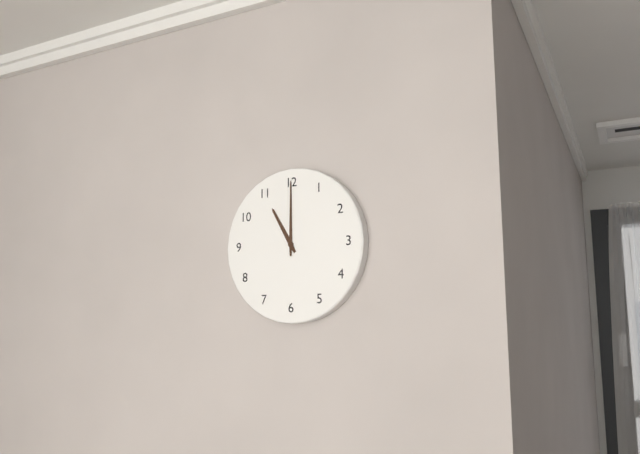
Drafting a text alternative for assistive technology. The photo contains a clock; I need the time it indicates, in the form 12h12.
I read 11h00
